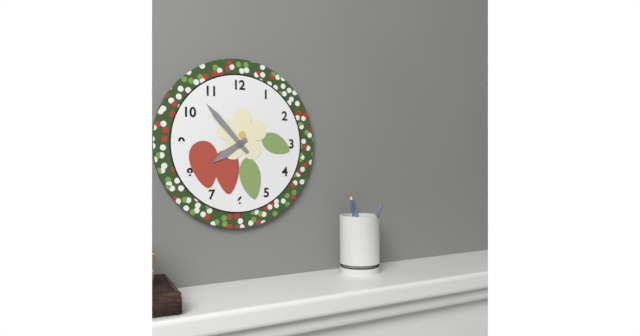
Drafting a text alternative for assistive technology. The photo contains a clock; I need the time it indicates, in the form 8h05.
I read 7h53
